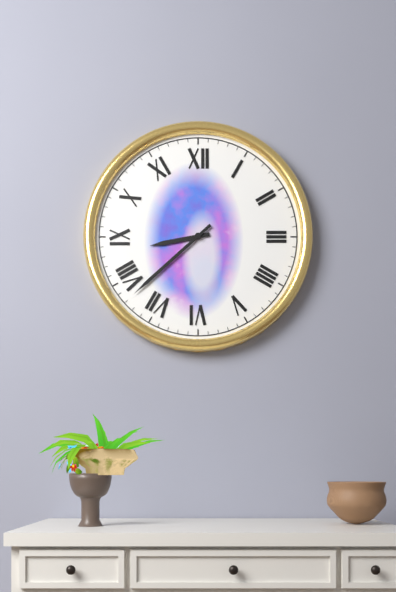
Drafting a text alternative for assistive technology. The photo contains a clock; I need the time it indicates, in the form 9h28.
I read 8h38
